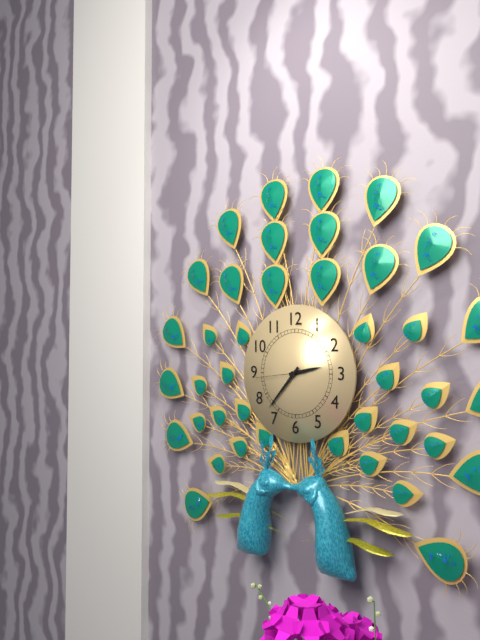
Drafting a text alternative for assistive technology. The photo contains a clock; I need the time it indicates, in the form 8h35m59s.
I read 2h37m44s
